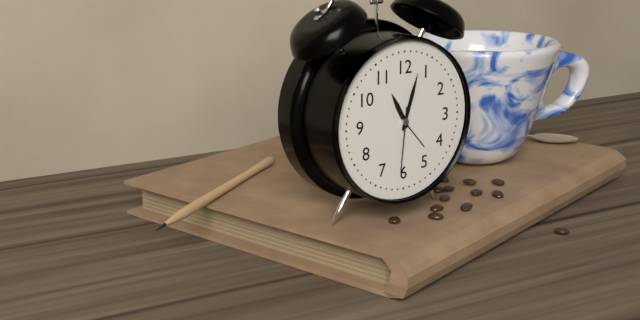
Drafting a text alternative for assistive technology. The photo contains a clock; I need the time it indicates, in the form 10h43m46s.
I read 11h03m31s
